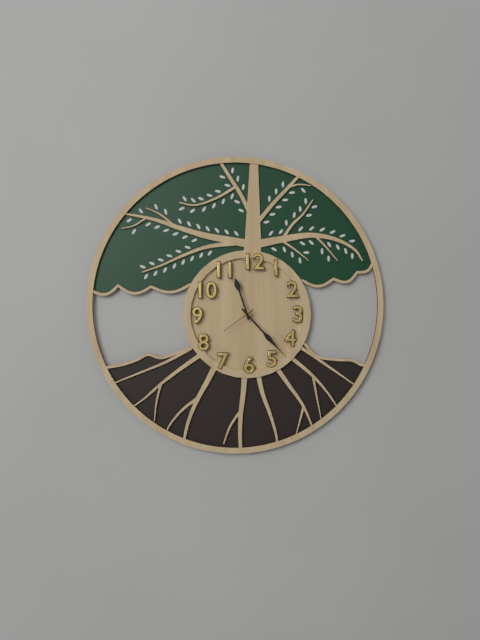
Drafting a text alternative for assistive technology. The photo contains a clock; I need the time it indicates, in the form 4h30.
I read 11h23
